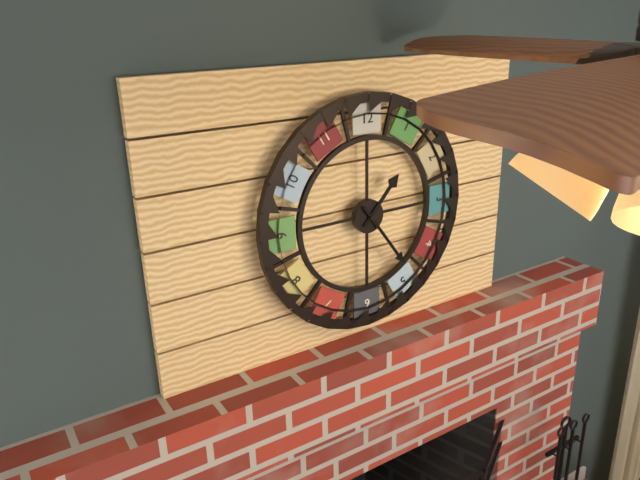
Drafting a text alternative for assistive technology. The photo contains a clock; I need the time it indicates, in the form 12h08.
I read 1h24
